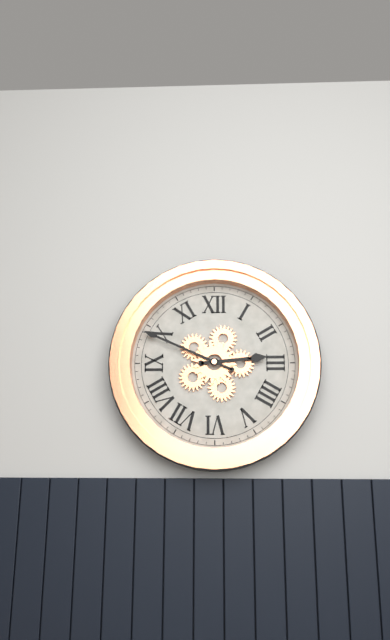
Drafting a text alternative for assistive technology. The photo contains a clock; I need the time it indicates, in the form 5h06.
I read 2h49
